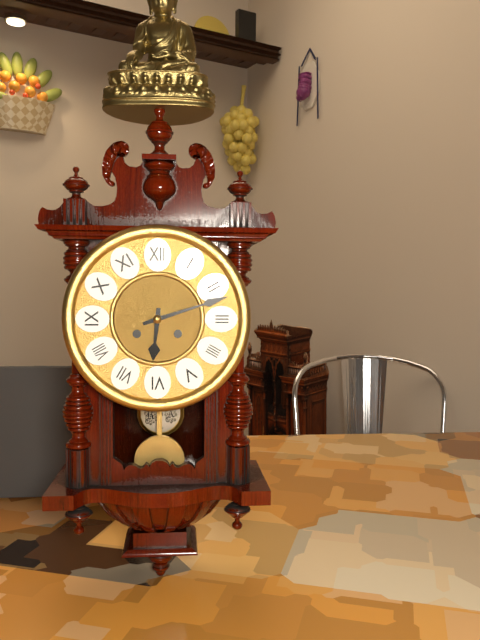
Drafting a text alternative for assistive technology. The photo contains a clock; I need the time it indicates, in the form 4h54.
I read 6h12
